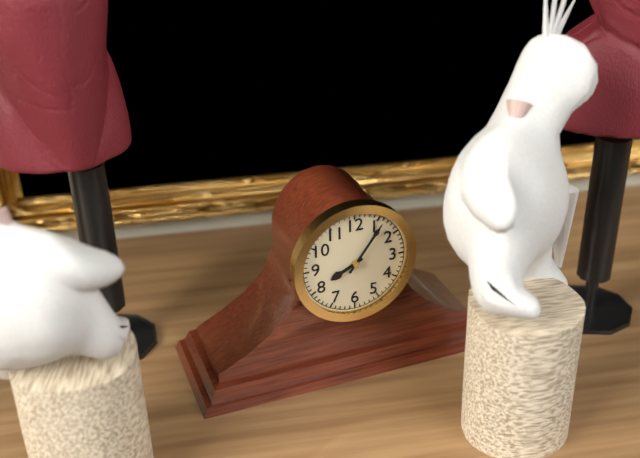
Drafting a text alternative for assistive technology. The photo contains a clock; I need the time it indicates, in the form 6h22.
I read 8h06
